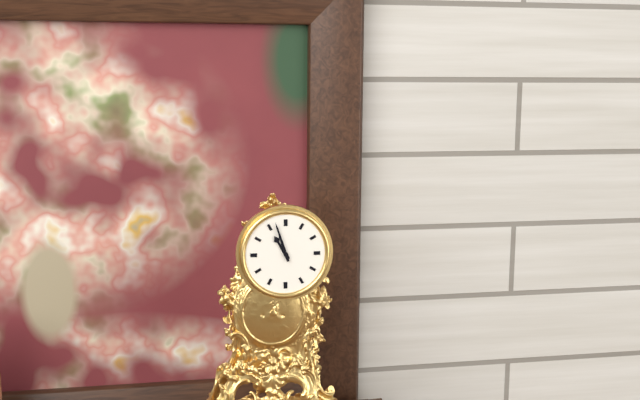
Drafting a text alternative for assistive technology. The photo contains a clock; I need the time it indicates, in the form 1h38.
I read 10h57
